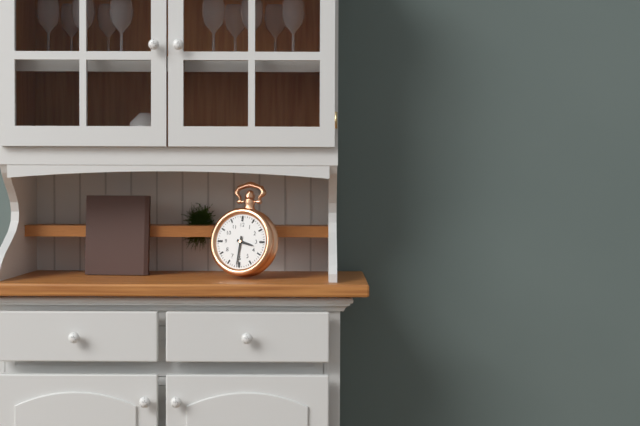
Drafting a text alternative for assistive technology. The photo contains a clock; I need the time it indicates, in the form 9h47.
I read 3h31
